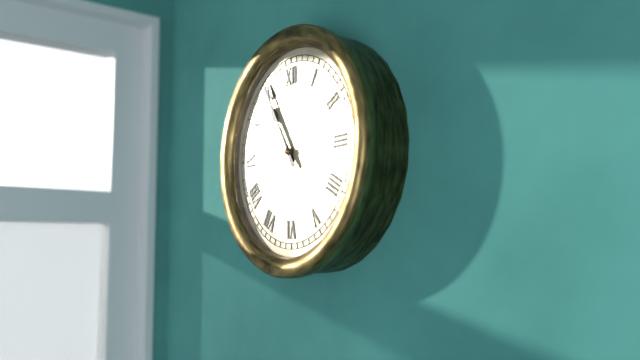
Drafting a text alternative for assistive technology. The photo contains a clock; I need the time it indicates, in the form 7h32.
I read 10h55
